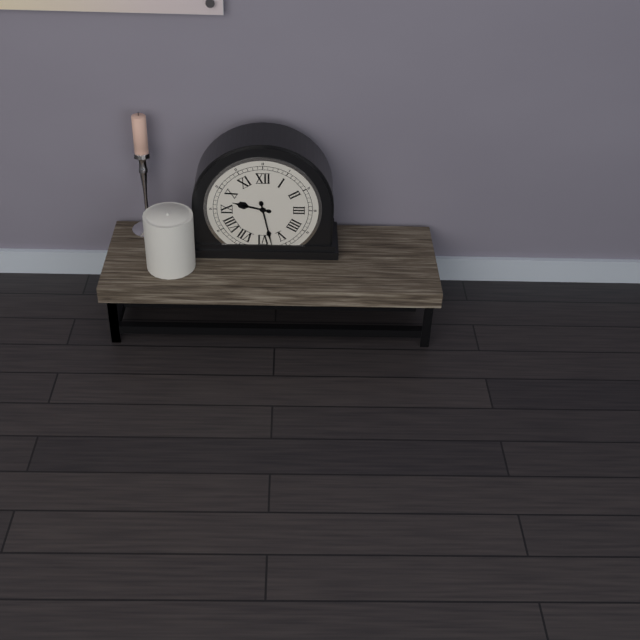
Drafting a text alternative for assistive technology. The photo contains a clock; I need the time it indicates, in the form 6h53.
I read 9h28
